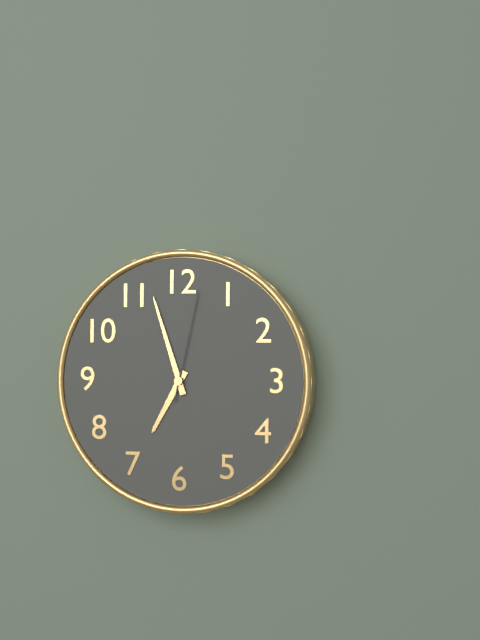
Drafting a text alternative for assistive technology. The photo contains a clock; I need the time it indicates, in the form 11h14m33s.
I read 6h57m02s
